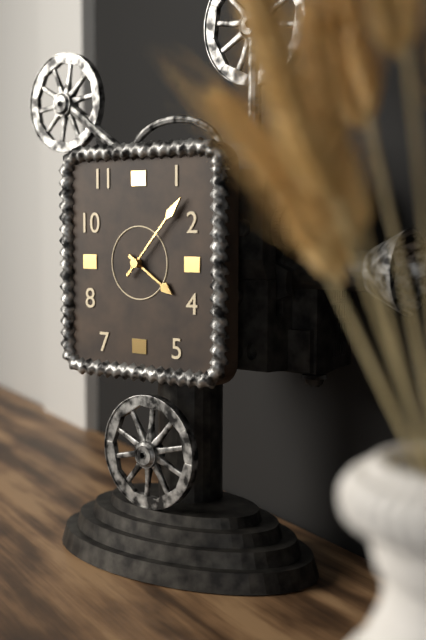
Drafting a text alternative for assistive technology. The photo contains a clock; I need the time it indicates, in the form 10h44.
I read 4h07
